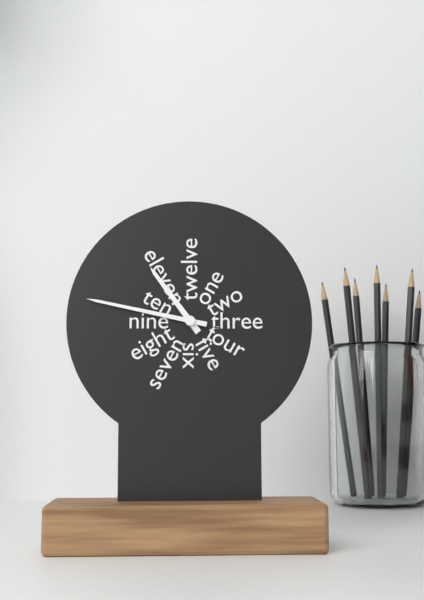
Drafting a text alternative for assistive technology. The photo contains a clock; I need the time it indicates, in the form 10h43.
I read 10h47
